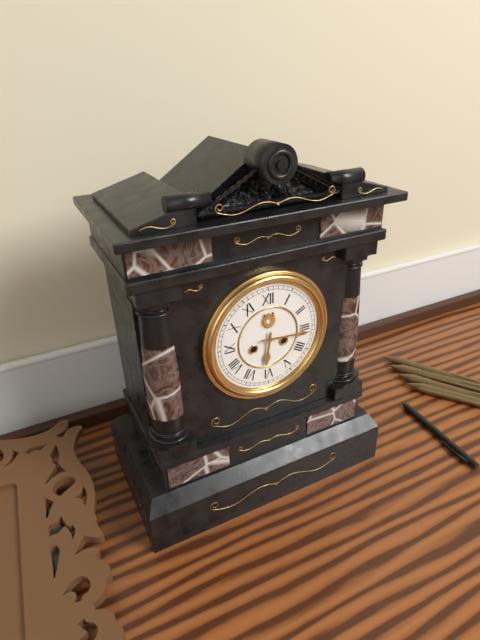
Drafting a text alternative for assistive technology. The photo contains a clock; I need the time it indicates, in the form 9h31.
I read 6h16
